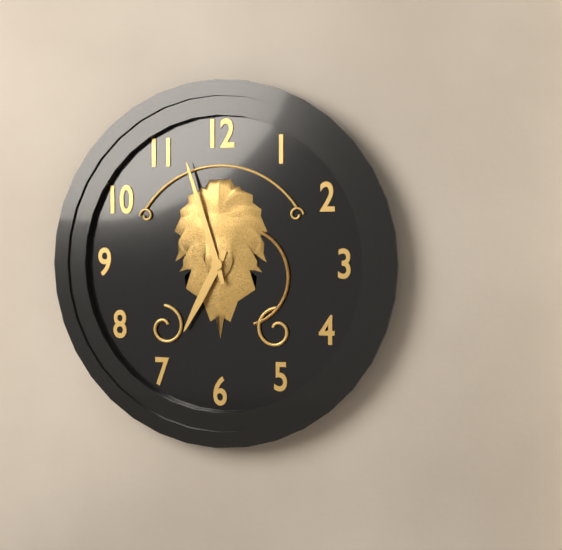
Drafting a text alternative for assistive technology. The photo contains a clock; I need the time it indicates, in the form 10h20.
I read 6h57
